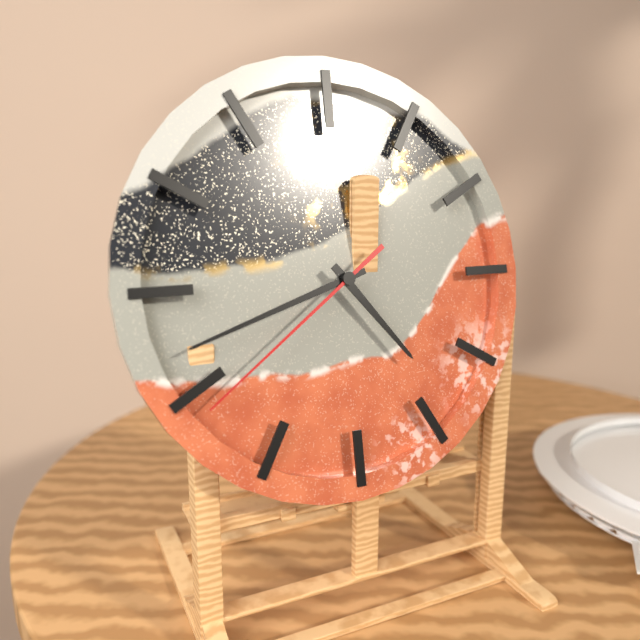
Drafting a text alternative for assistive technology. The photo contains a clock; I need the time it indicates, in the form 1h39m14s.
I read 4h42m39s
